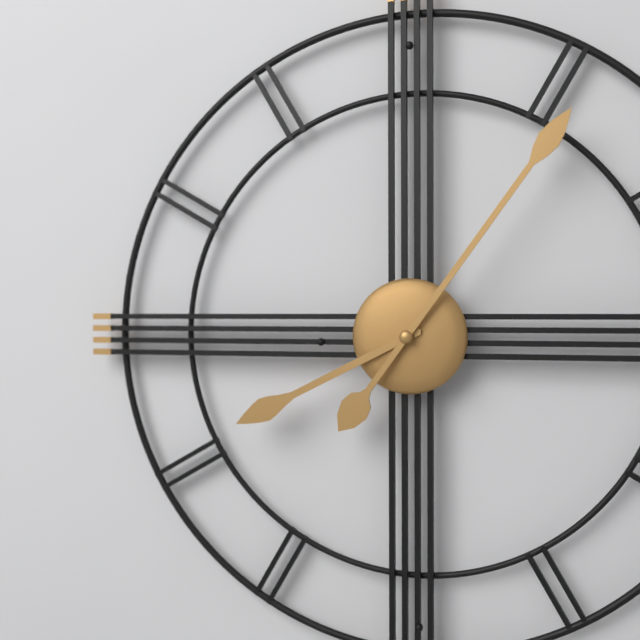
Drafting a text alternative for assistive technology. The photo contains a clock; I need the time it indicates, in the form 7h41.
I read 8h06
